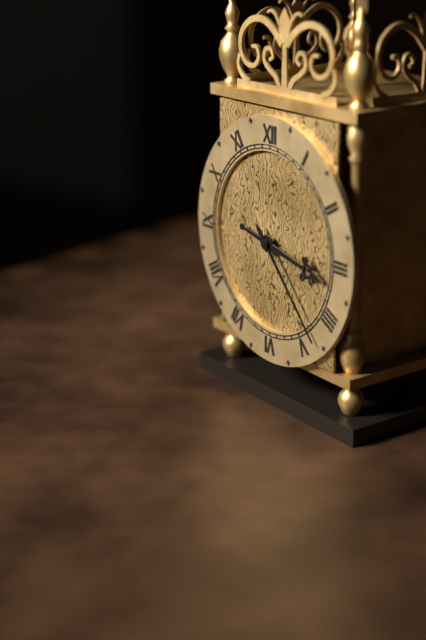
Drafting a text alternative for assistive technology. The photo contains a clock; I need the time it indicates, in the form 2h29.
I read 3h23
